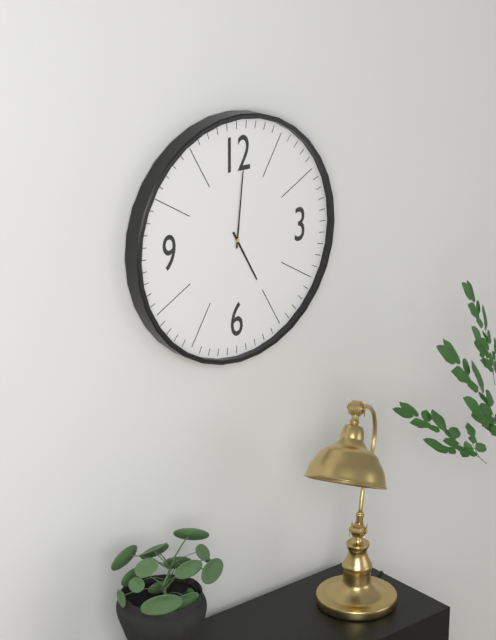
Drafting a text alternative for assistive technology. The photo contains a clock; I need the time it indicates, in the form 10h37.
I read 5h01
